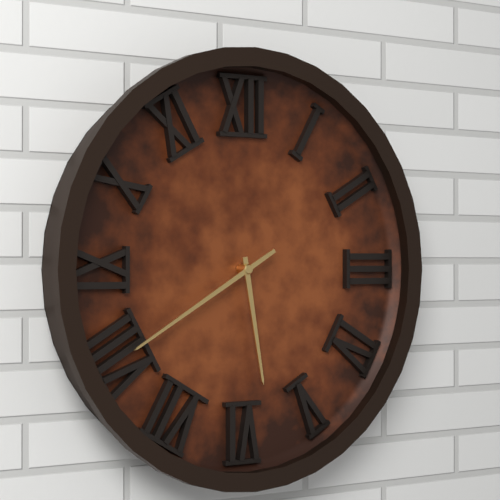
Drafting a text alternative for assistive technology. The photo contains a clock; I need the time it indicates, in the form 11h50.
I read 5h40
